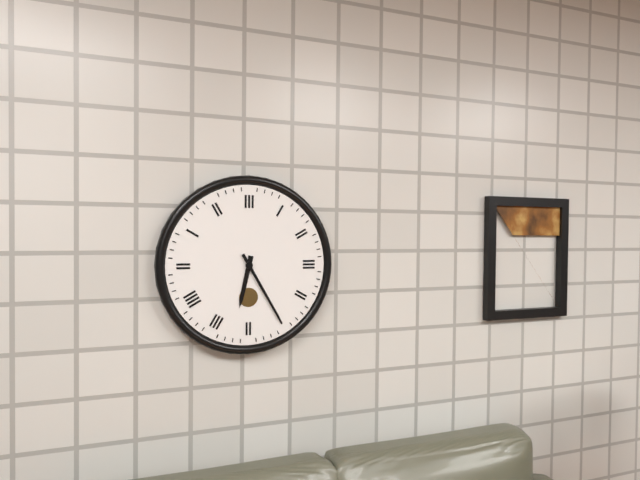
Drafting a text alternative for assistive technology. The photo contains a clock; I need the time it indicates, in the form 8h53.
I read 6h25
